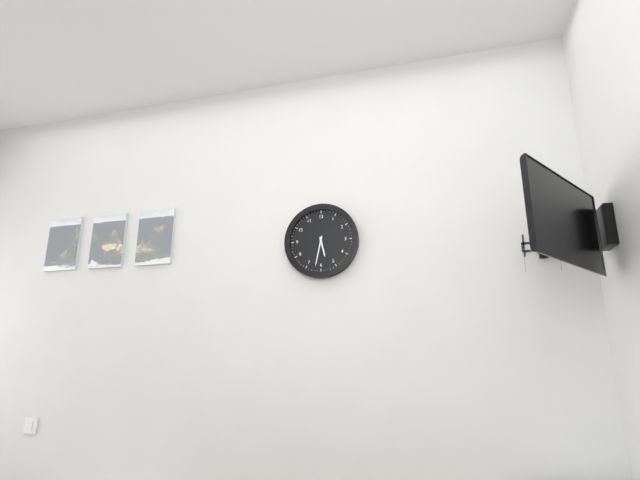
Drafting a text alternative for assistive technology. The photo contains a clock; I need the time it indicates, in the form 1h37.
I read 5h32
